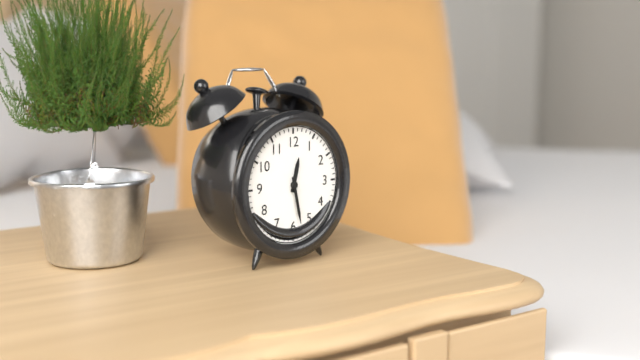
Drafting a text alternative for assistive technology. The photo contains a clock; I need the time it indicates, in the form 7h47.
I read 12h28
